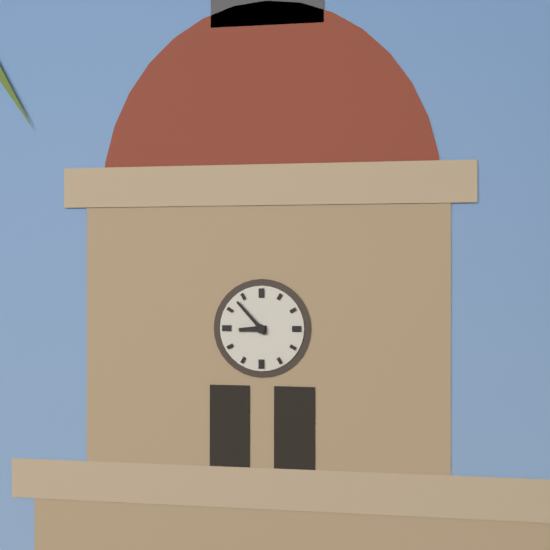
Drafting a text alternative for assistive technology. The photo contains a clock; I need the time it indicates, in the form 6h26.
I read 8h53
